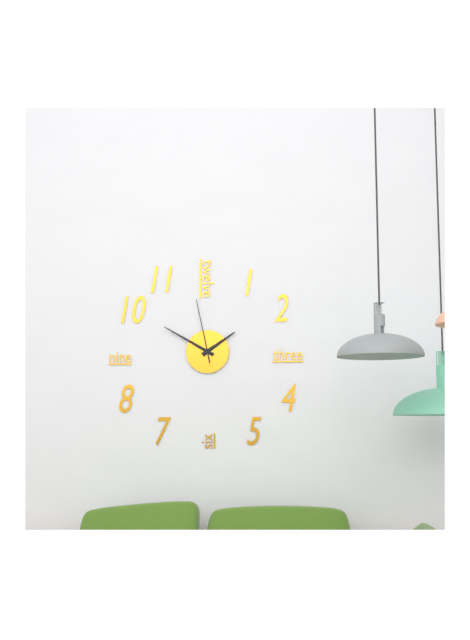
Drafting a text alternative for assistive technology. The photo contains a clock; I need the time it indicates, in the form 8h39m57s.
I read 1h50m58s
